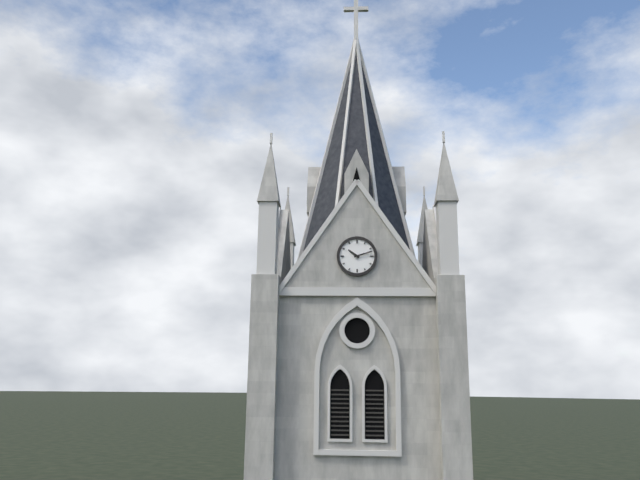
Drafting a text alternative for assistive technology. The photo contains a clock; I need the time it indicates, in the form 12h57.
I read 10h12
